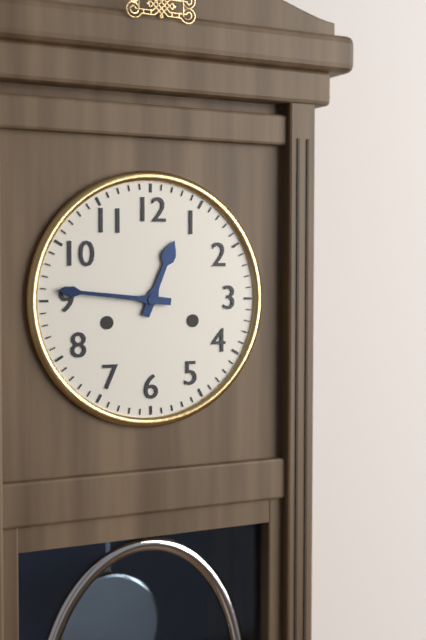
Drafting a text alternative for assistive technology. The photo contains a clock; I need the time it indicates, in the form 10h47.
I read 12h46
